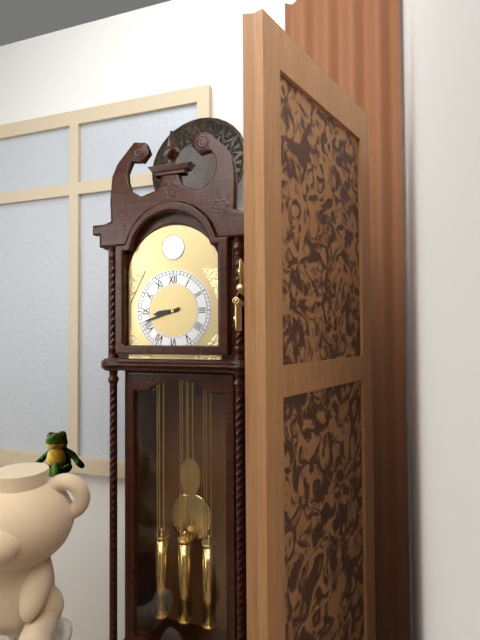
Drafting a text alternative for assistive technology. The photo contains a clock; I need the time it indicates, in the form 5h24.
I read 8h42
